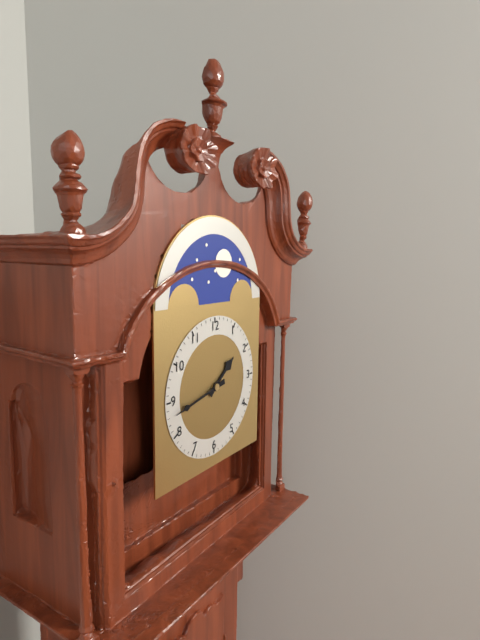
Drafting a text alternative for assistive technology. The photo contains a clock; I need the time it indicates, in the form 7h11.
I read 1h43
